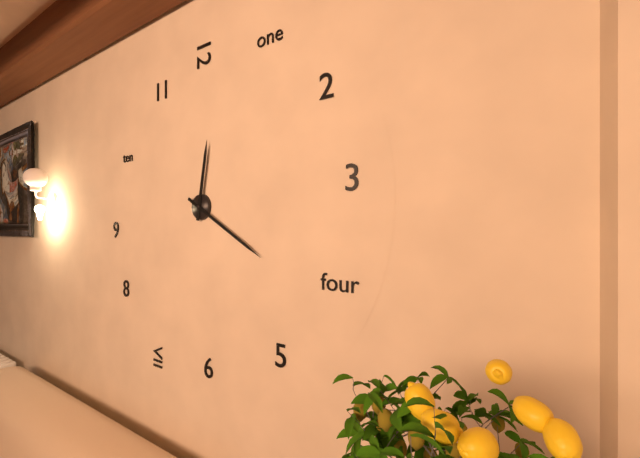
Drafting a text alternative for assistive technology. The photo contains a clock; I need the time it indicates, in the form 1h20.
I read 12h20
